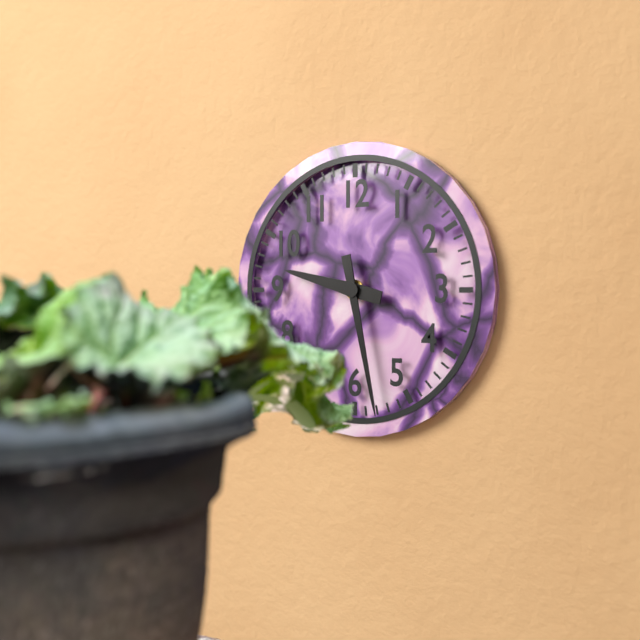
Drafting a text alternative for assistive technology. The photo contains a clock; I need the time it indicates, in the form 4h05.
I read 9h28
